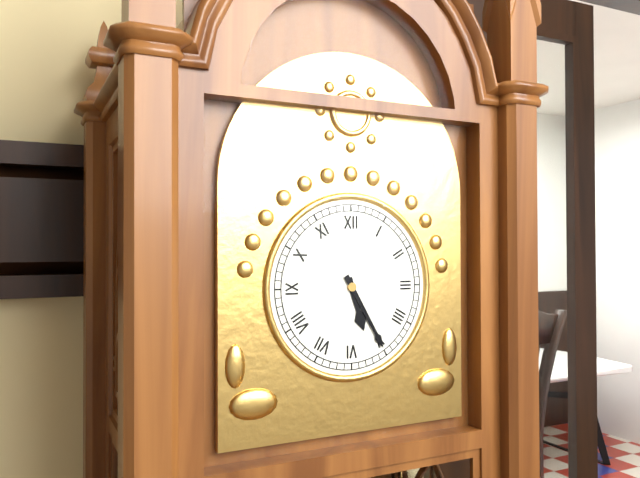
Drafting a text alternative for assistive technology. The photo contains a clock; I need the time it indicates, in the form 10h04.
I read 5h25
